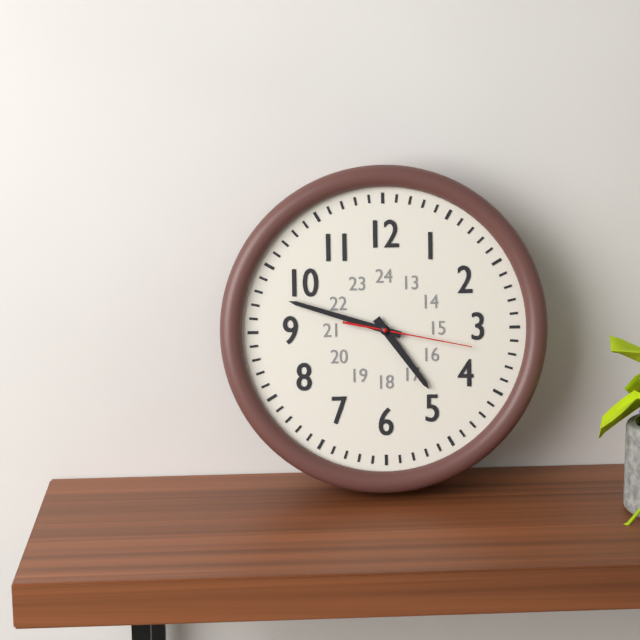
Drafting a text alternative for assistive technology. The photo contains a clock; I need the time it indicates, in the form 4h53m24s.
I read 4h48m17s
